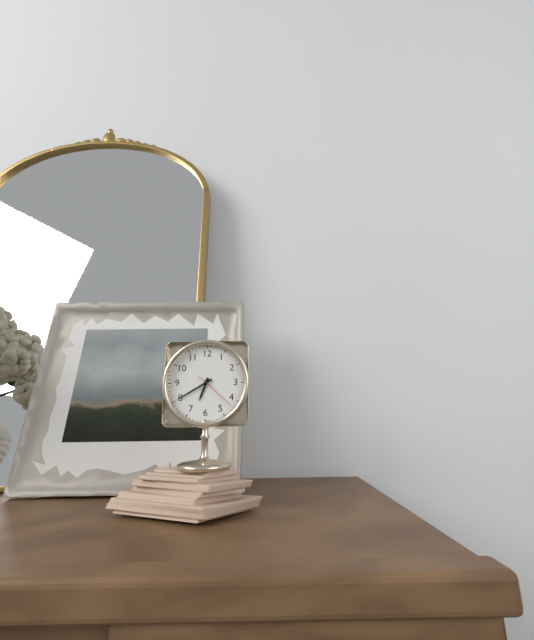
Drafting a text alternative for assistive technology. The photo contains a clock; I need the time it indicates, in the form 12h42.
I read 6h40
